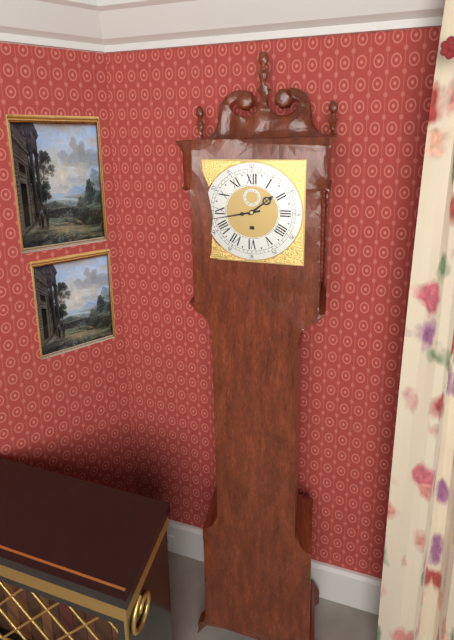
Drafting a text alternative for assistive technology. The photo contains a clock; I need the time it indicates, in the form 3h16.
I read 1h43
